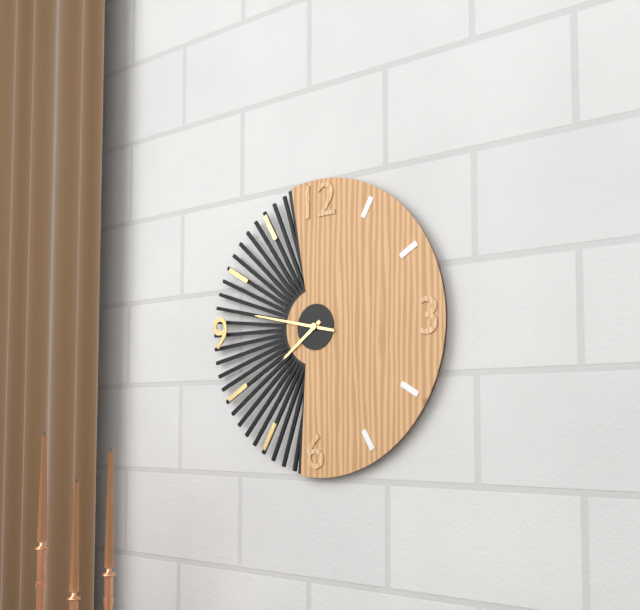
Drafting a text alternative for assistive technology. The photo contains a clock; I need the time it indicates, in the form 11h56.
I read 7h47
